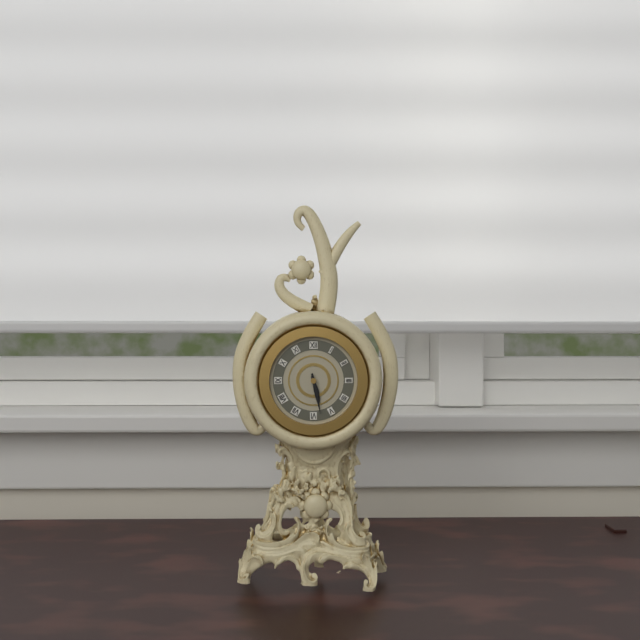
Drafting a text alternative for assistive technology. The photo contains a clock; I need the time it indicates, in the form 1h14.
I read 5h28
